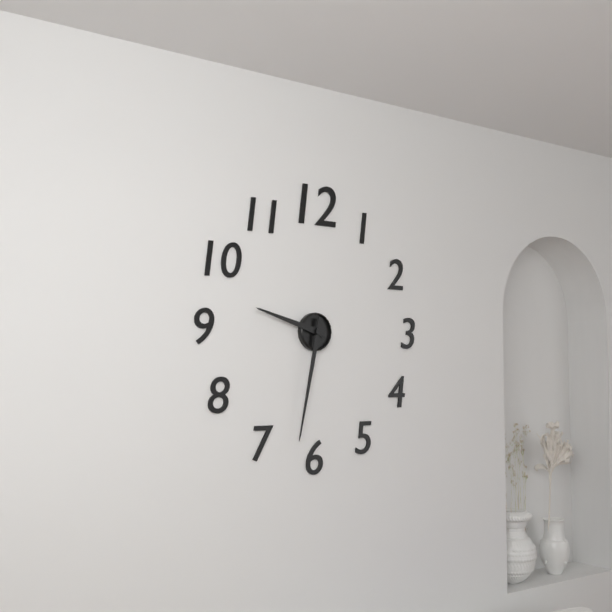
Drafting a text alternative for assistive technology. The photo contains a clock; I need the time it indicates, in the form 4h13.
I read 9h32
